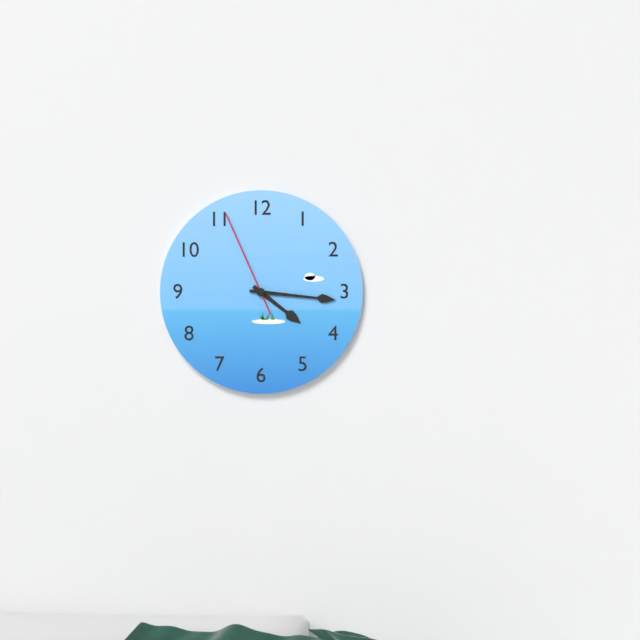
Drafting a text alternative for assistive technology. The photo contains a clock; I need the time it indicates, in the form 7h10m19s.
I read 4h16m56s
